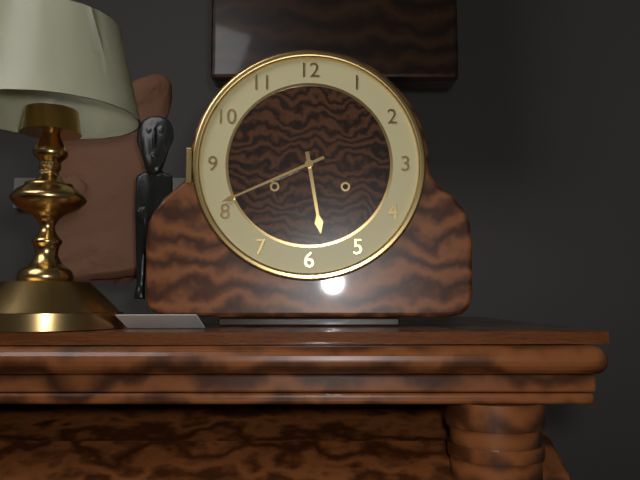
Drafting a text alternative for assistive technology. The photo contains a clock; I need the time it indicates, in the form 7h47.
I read 5h41
